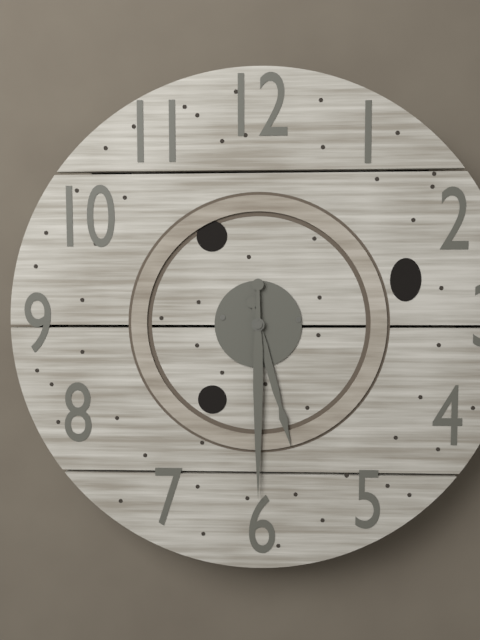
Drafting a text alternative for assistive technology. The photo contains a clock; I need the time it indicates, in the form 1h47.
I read 5h30
